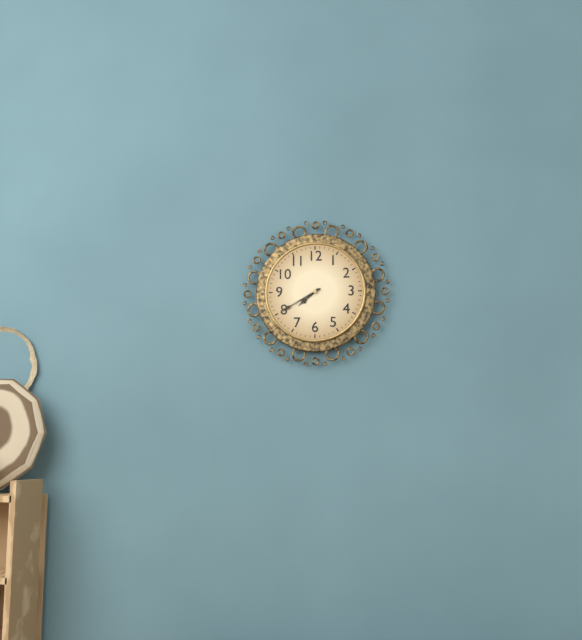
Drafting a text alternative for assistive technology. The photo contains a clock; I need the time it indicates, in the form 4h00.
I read 7h40
